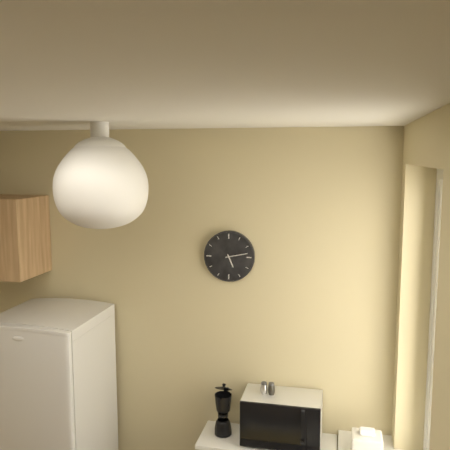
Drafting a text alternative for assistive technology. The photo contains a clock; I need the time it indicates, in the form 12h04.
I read 5h13
